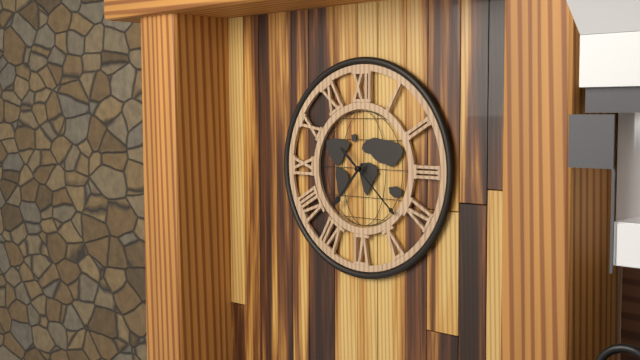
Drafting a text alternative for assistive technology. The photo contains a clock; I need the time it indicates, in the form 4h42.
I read 7h22
